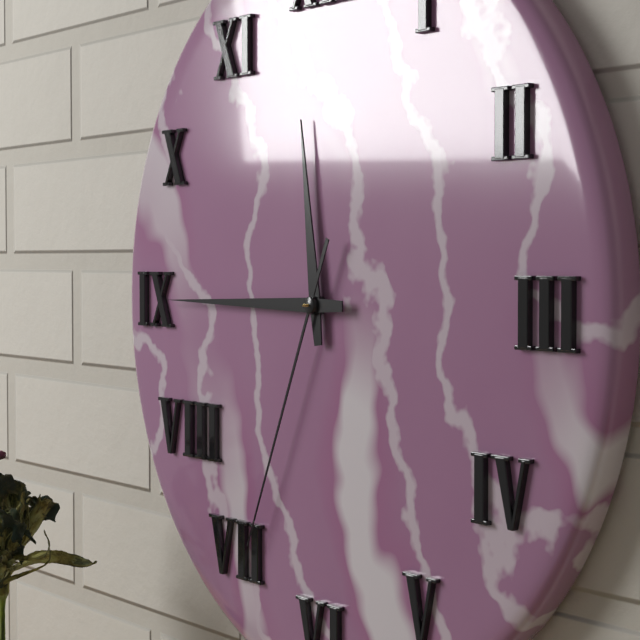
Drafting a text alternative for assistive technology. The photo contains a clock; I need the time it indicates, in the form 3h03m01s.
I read 11h45m34s
